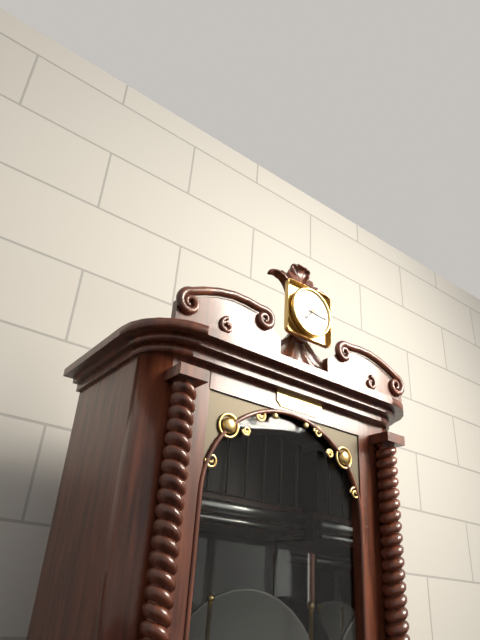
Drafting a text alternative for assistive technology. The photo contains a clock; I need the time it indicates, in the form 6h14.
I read 7h16
